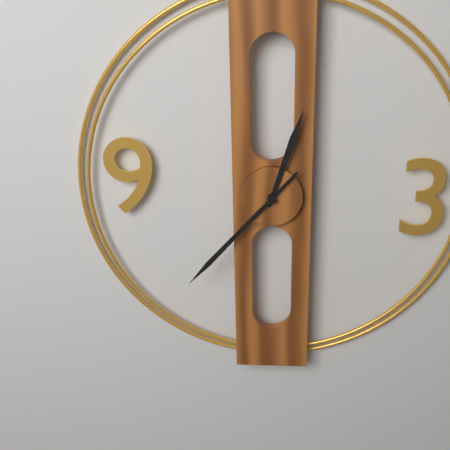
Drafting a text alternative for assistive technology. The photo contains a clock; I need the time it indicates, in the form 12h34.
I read 12h37
